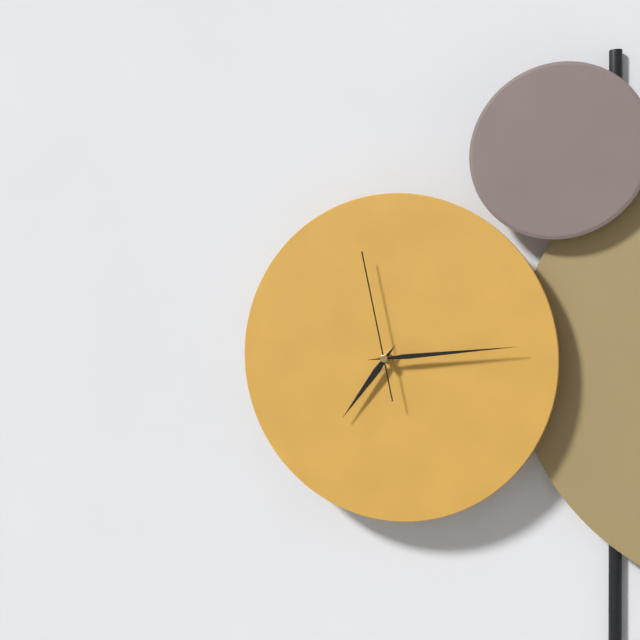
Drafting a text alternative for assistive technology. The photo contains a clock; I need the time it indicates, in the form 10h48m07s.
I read 7h14m58s
